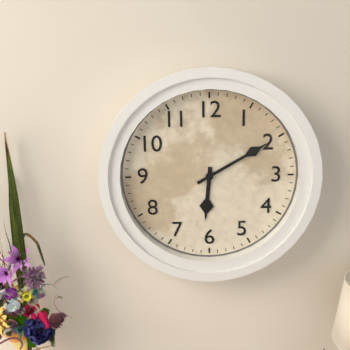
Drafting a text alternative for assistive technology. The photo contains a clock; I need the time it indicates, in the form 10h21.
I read 6h10
